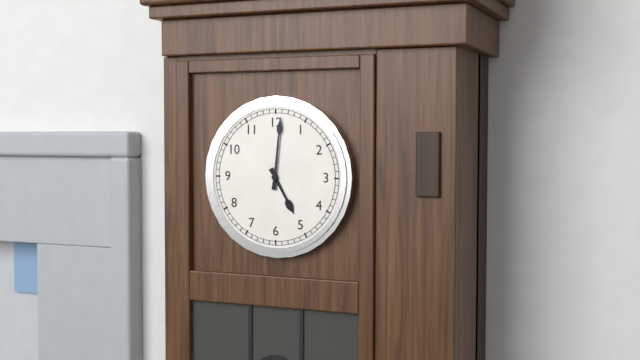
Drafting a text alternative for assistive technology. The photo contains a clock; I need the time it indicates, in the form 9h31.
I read 5h01
